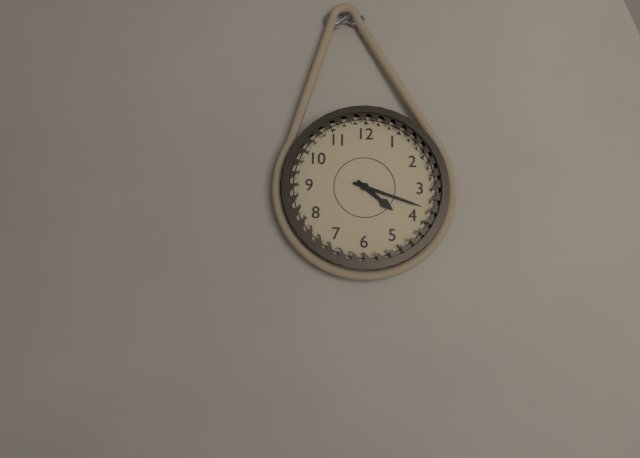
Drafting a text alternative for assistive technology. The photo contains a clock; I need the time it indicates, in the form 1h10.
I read 4h18
